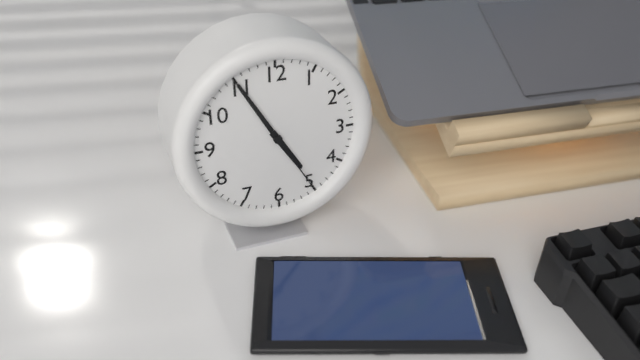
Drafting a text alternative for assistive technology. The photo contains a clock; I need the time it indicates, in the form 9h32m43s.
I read 4h55m25s
